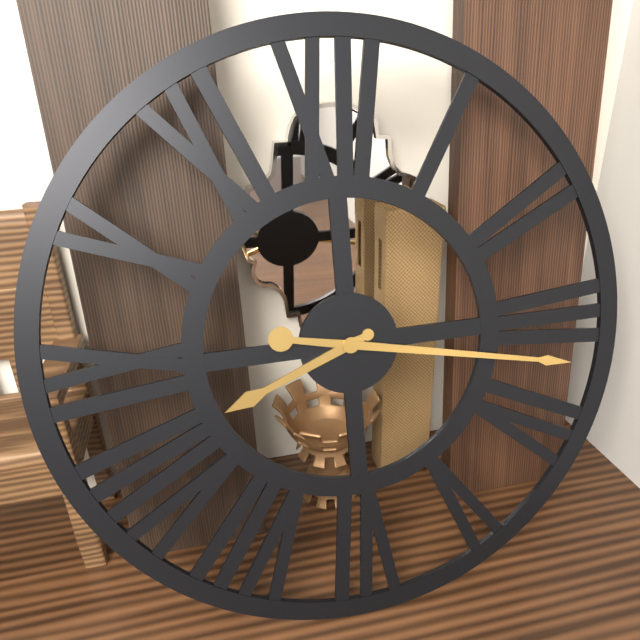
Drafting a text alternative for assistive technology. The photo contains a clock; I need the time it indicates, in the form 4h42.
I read 8h17
